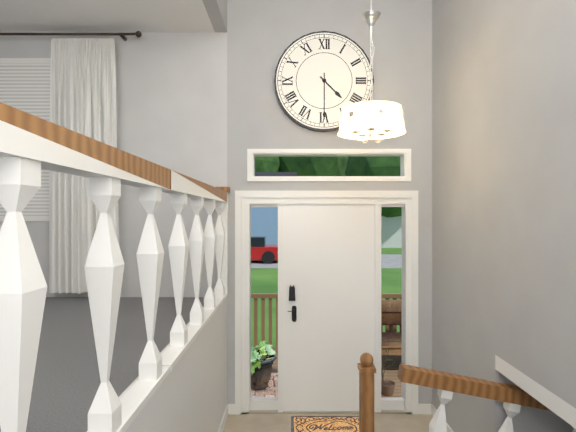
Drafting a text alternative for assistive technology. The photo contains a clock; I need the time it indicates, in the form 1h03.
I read 4h30
